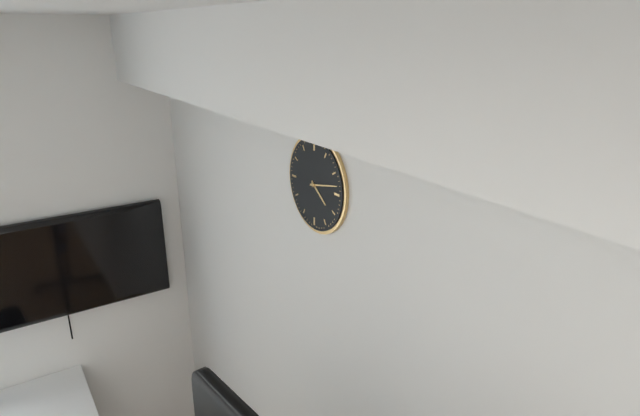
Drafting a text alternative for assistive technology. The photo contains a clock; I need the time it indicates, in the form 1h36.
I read 4h13
